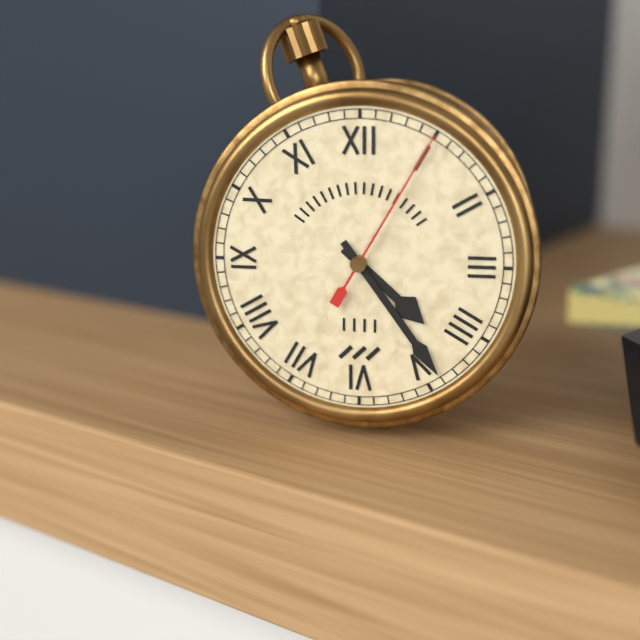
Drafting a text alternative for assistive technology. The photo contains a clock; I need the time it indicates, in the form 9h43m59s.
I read 4h24m05s
